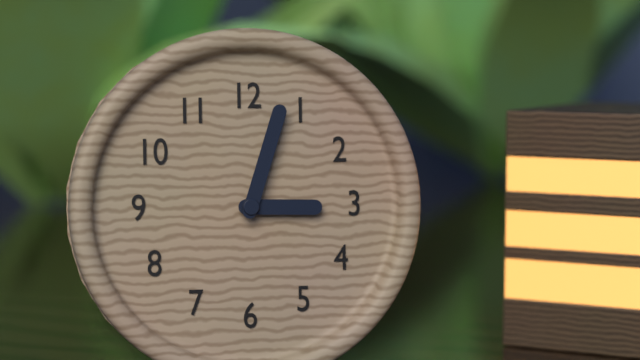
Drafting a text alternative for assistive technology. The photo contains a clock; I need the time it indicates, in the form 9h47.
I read 3h03
